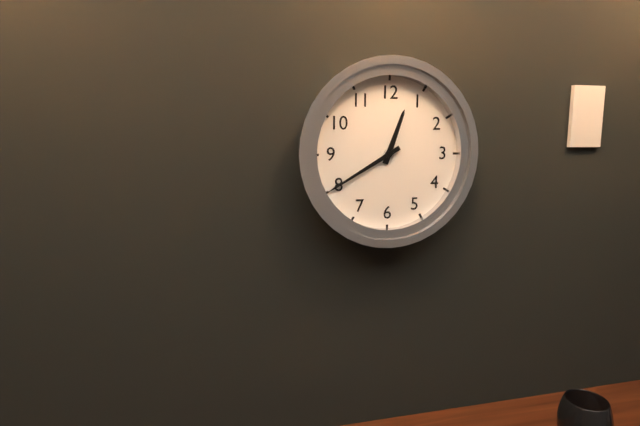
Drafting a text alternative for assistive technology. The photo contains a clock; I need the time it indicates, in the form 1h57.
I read 12h40
